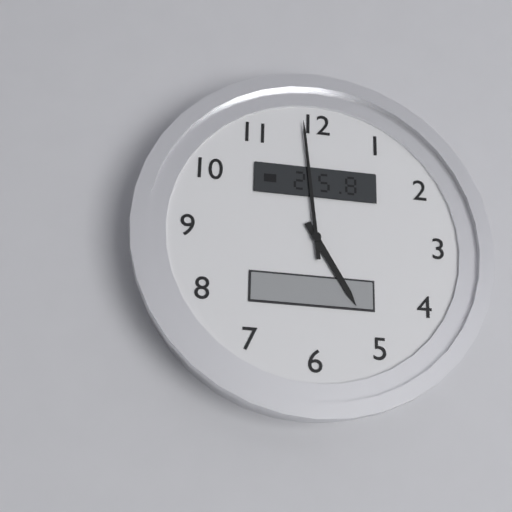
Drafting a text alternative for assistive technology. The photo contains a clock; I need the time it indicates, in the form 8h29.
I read 4h59
